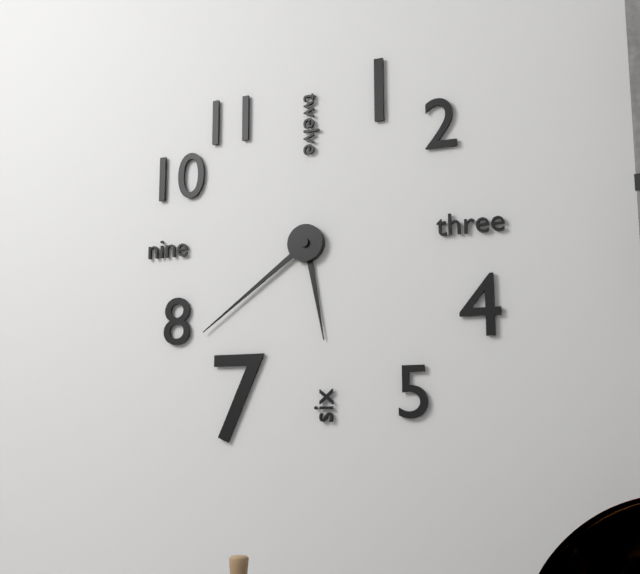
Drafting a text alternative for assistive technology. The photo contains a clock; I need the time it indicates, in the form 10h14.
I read 5h39
